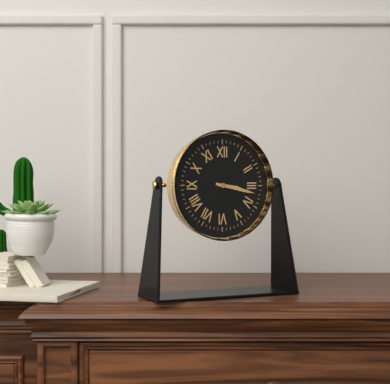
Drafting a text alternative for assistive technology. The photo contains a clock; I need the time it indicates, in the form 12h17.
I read 3h17
